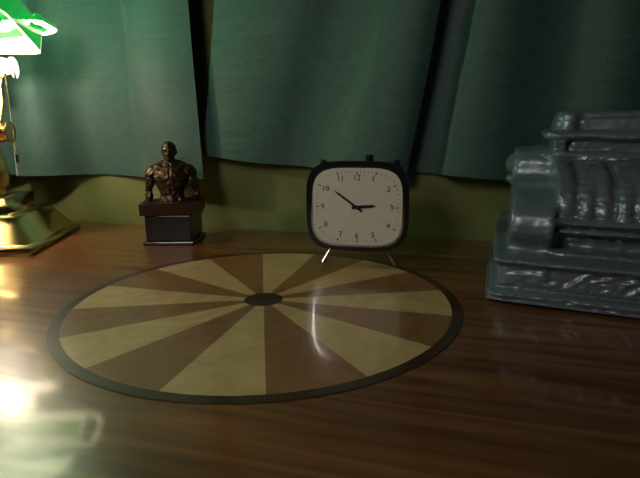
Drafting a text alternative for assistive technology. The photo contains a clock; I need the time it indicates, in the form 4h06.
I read 2h51
